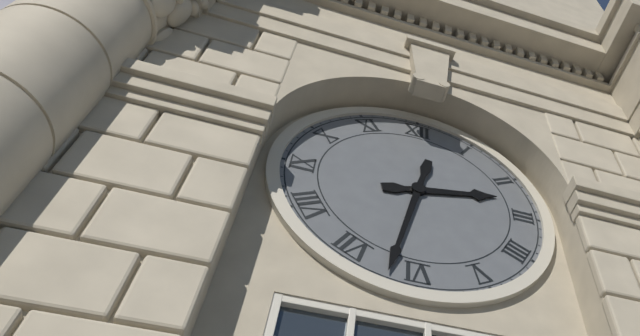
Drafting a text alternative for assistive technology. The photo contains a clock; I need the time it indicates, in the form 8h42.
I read 2h32
